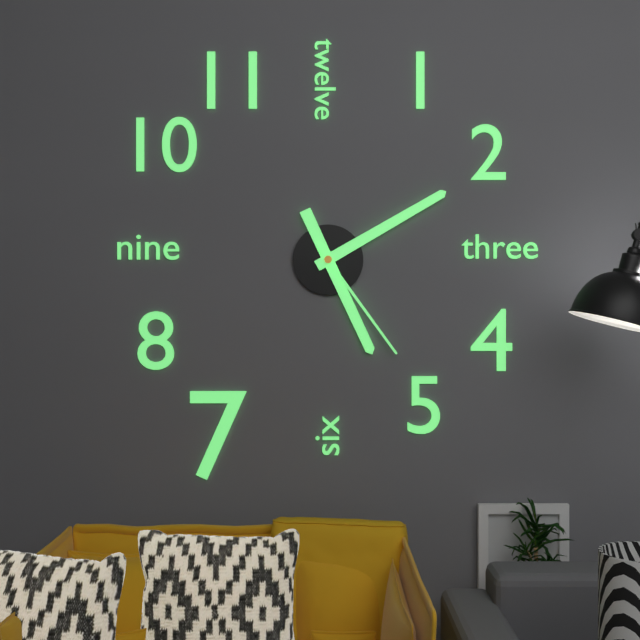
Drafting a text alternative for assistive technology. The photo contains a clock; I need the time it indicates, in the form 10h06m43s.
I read 5h10m24s
